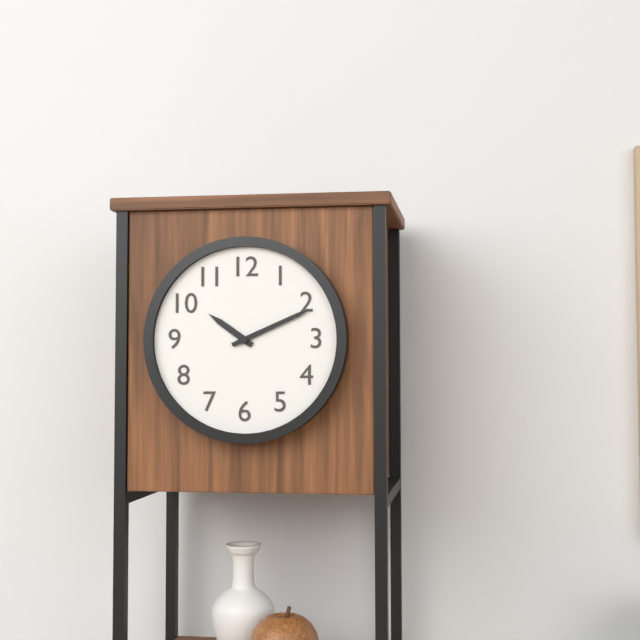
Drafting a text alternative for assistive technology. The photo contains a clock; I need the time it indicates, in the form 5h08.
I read 10h11
